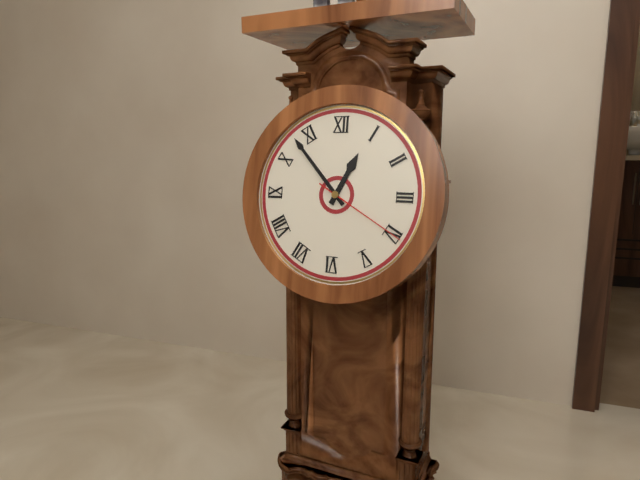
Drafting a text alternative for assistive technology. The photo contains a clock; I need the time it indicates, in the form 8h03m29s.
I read 12h53m20s
